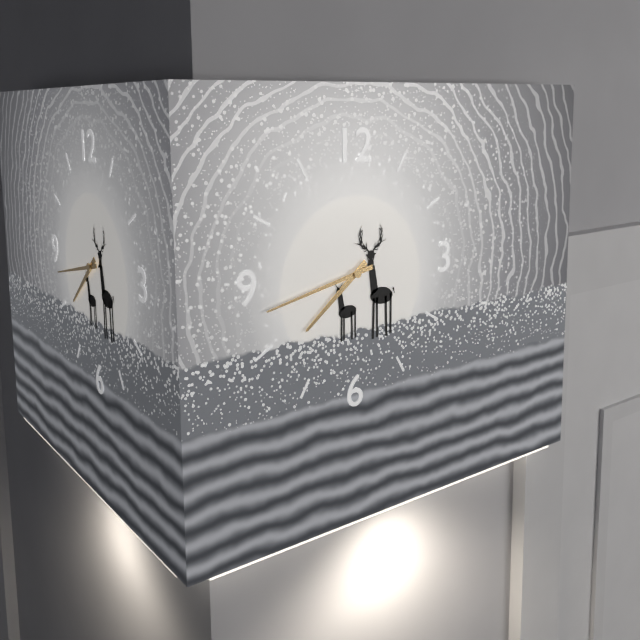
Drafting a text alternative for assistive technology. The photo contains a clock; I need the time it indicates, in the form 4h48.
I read 7h43
